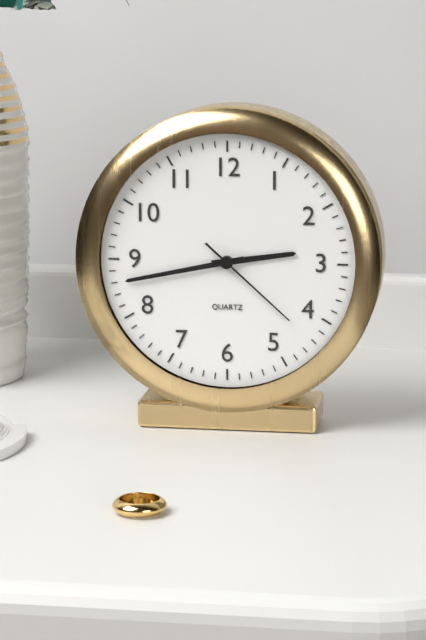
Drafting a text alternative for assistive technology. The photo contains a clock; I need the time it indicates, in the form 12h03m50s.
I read 2h43m22s
